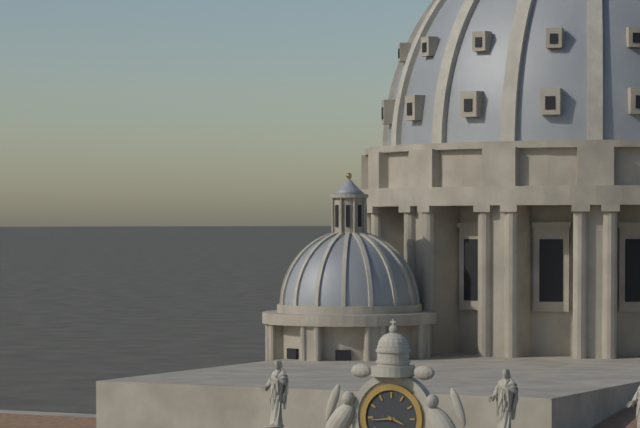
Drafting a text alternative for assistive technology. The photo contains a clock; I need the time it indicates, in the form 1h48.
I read 3h44
